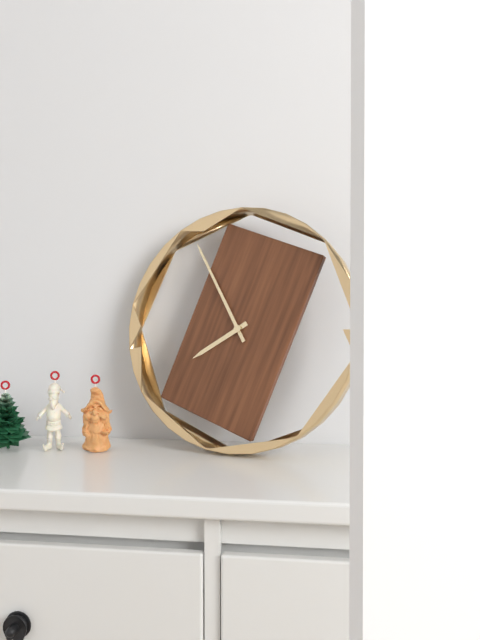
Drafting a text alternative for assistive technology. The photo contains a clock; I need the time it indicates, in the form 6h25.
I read 7h55
